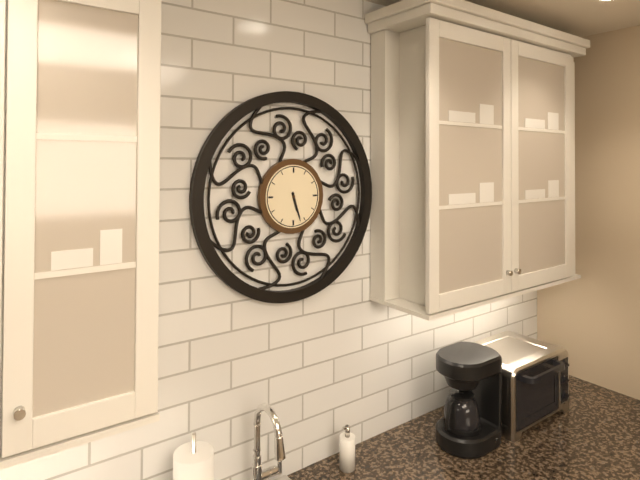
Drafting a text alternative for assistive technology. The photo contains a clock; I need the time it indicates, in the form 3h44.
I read 5h27
